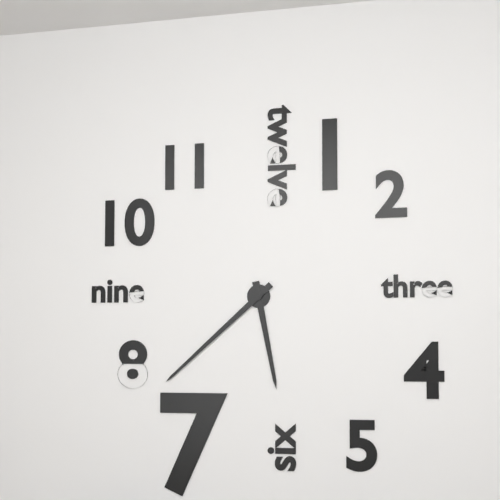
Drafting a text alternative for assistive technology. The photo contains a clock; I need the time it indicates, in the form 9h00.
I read 5h38
